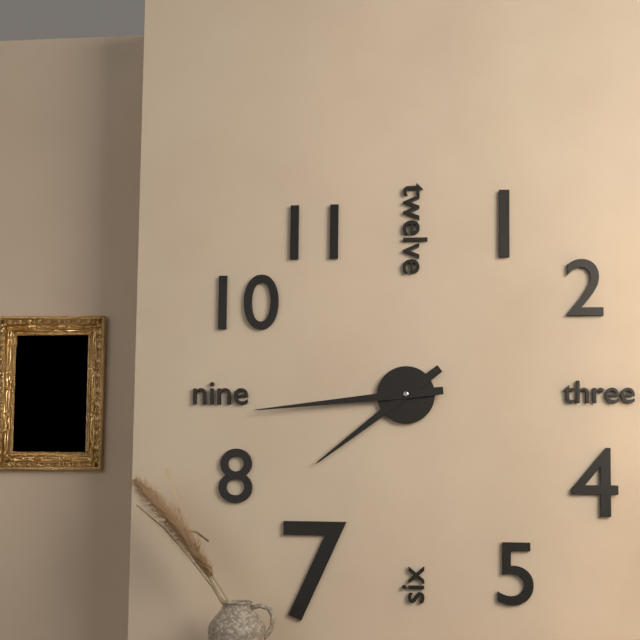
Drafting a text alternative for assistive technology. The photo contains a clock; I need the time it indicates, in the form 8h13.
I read 7h44
